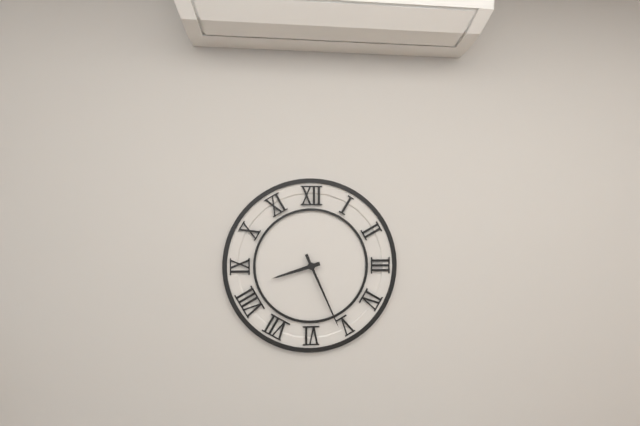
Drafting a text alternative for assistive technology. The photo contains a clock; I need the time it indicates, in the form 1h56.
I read 8h26
